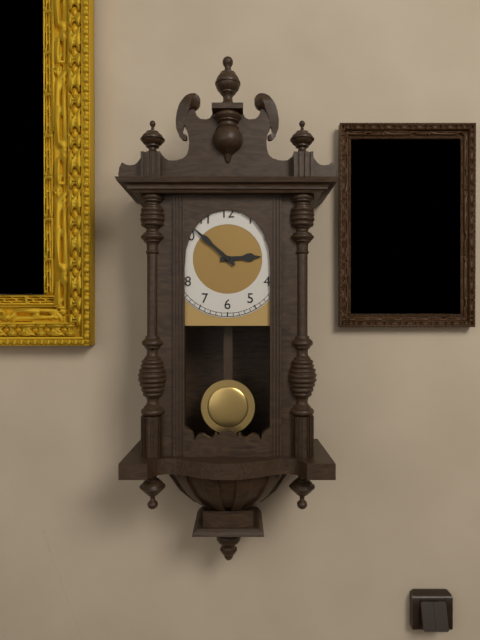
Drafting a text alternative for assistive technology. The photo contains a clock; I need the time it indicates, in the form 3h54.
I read 2h52
